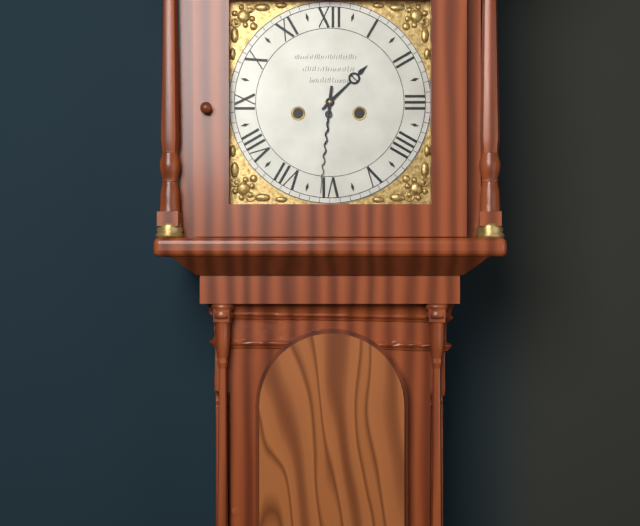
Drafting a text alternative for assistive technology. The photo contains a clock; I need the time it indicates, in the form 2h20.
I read 1h31
